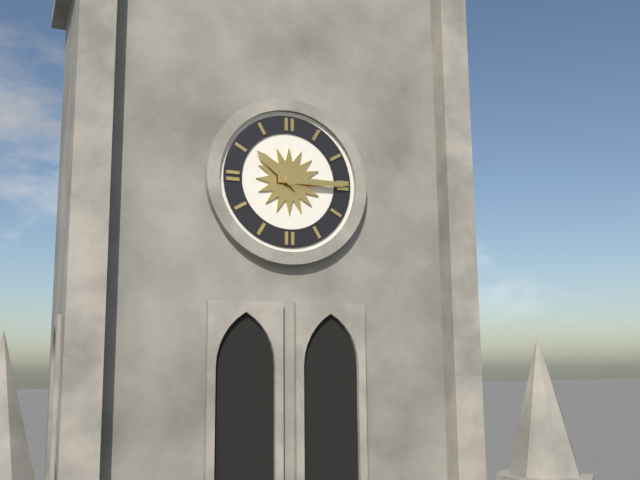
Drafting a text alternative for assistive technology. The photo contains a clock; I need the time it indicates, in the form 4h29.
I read 10h15
